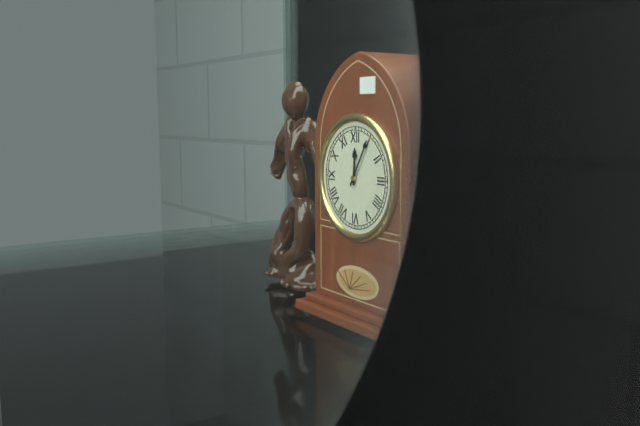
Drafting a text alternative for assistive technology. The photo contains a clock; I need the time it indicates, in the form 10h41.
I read 12h05
